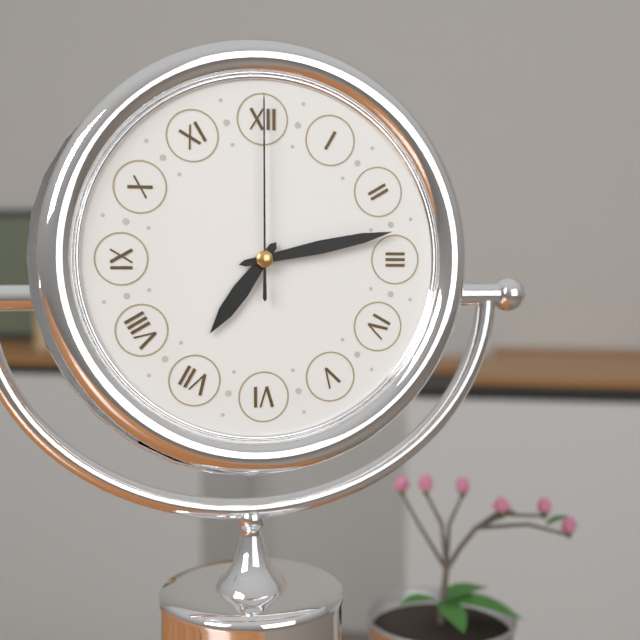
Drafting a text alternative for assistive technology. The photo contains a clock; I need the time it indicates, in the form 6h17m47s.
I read 7h13m00s
